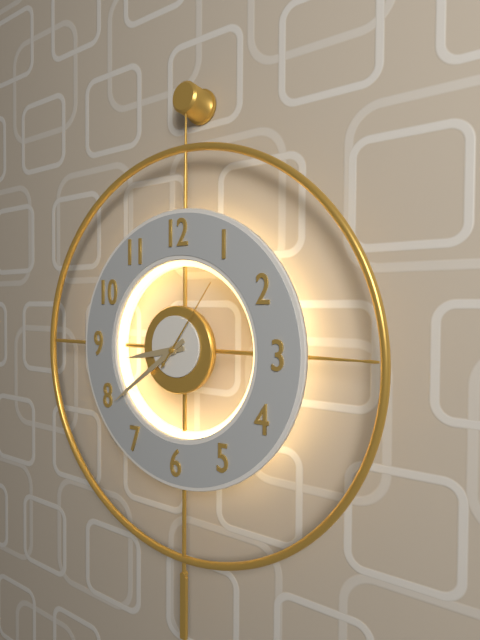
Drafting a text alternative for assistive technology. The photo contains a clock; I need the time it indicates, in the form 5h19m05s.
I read 8h39m06s
